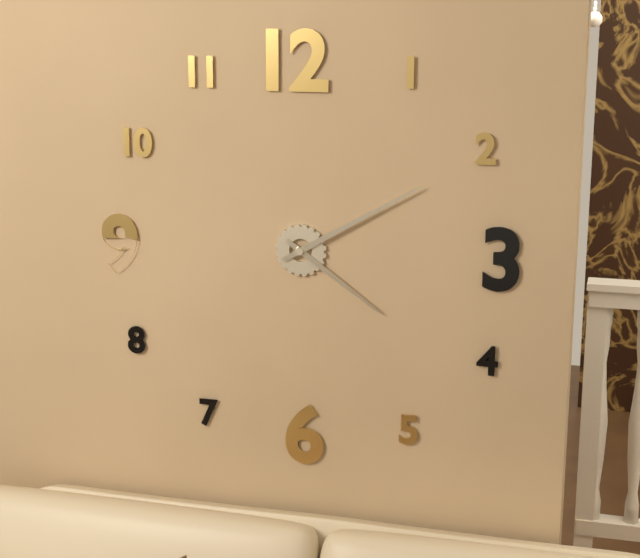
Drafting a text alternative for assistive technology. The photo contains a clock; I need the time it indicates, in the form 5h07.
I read 4h10
